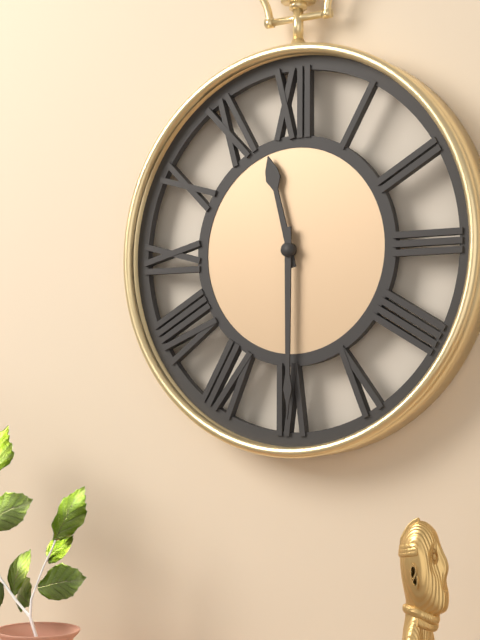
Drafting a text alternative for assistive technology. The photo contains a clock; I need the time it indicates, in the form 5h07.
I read 11h30
